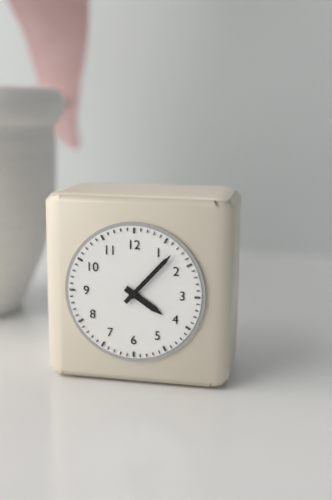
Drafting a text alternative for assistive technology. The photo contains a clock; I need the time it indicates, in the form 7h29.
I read 4h07
